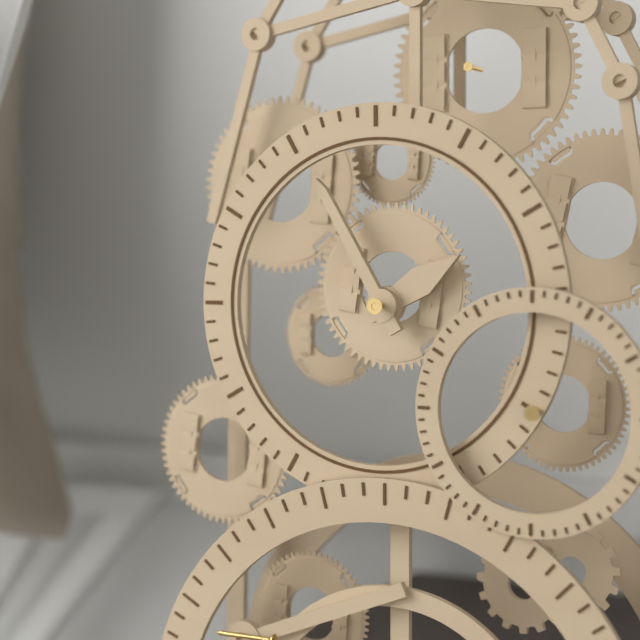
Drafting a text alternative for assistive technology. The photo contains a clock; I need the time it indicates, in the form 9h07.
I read 1h55
